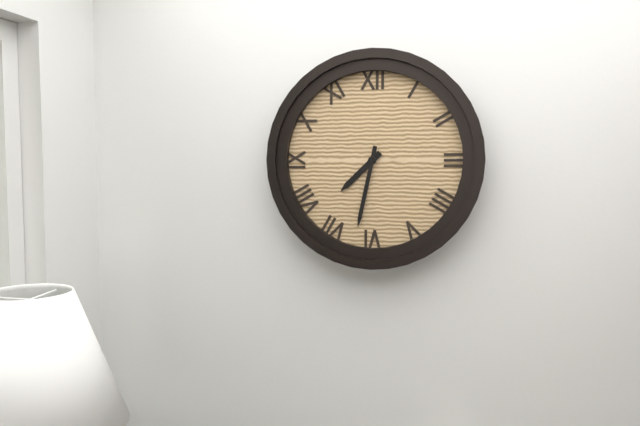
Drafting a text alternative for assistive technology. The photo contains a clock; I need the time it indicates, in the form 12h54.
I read 7h32
